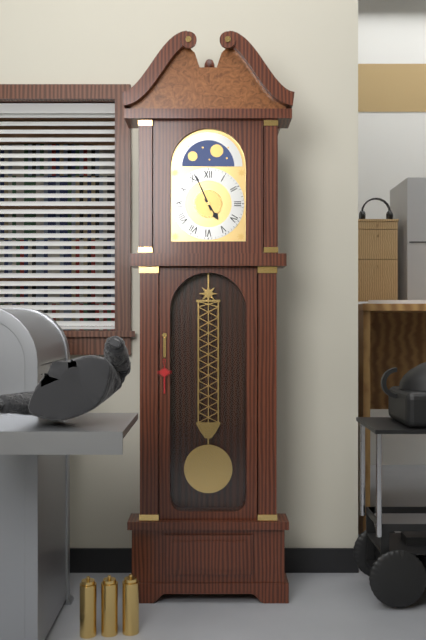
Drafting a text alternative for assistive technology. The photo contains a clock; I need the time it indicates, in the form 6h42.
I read 4h56
